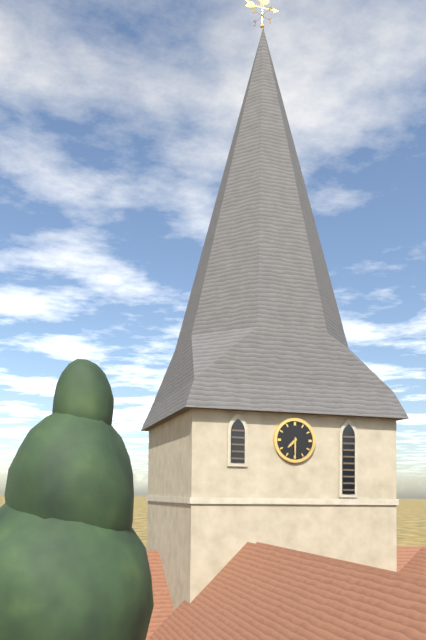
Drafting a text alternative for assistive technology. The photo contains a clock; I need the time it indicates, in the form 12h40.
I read 7h30
